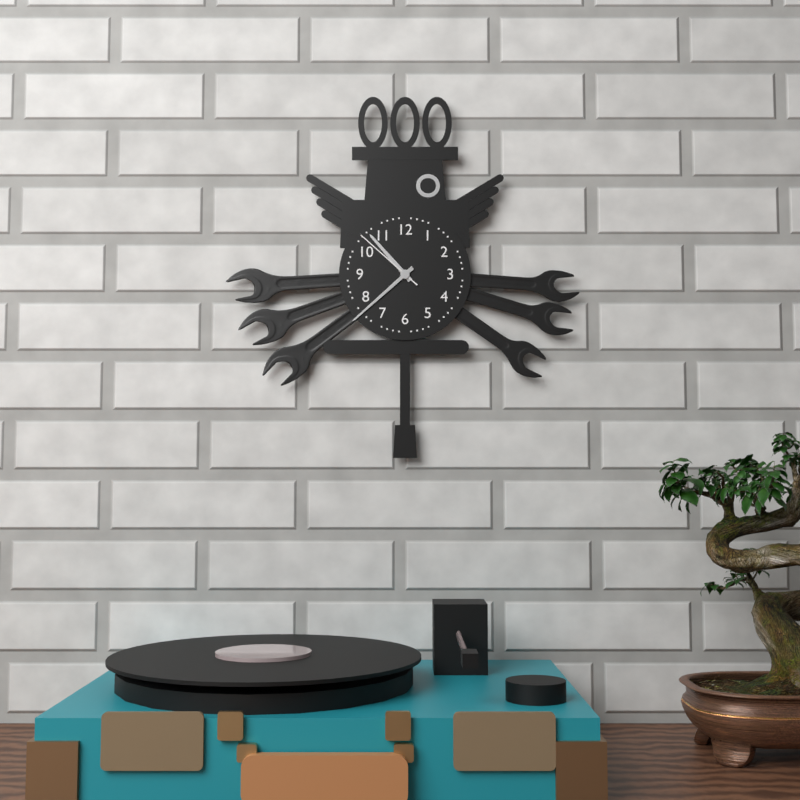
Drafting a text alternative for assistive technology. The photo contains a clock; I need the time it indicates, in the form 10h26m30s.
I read 10h38m52s
